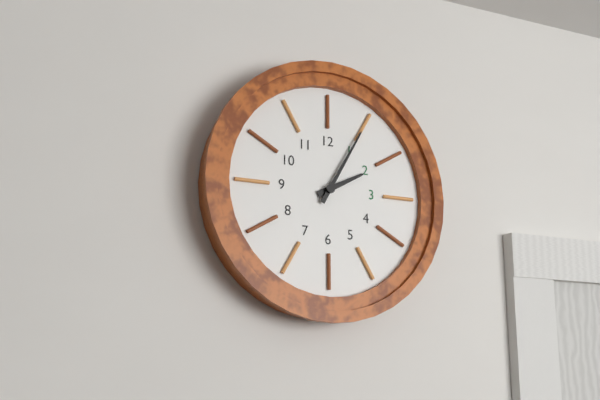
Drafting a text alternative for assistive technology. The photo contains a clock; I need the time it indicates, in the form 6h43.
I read 2h05
